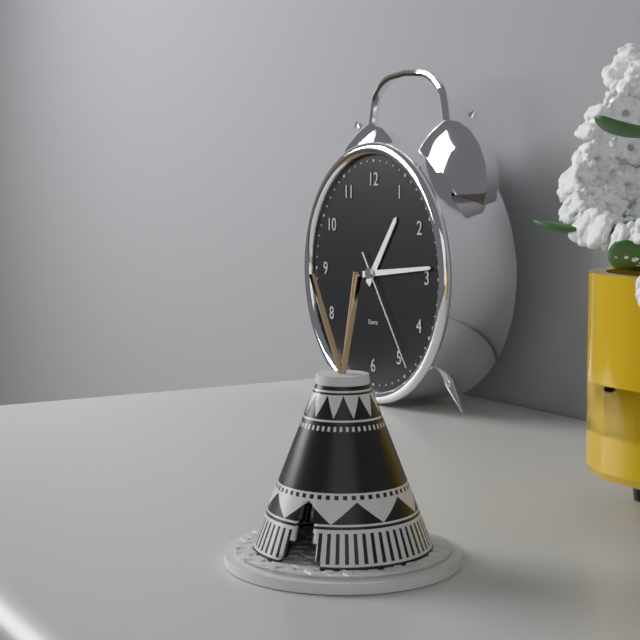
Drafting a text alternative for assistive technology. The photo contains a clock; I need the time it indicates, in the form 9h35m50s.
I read 1h14m24s
